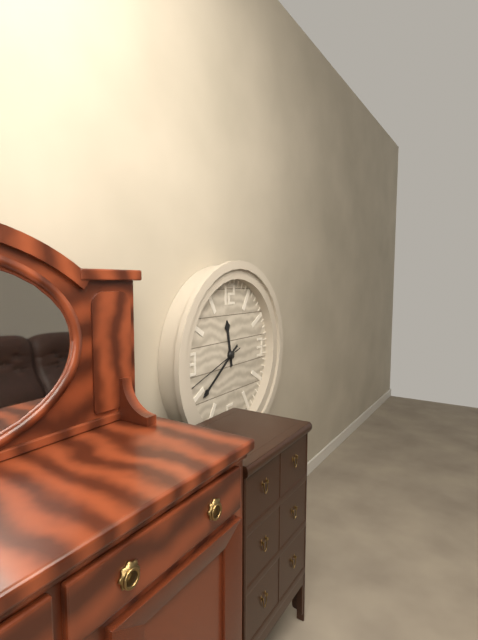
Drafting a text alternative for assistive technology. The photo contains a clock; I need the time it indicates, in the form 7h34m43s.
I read 11h39m42s
